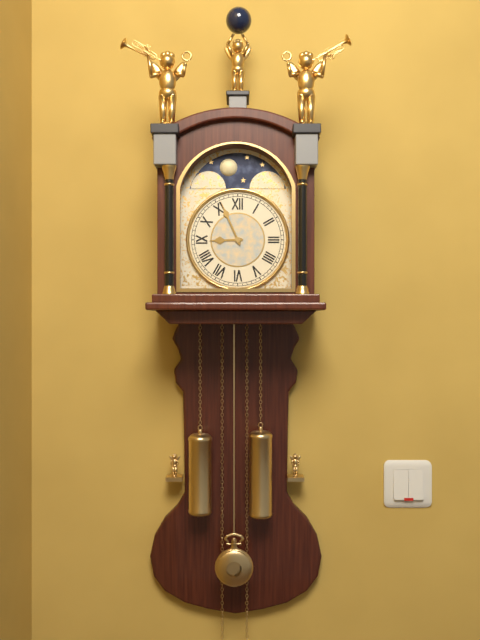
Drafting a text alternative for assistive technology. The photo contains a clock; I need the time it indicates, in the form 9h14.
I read 8h56
